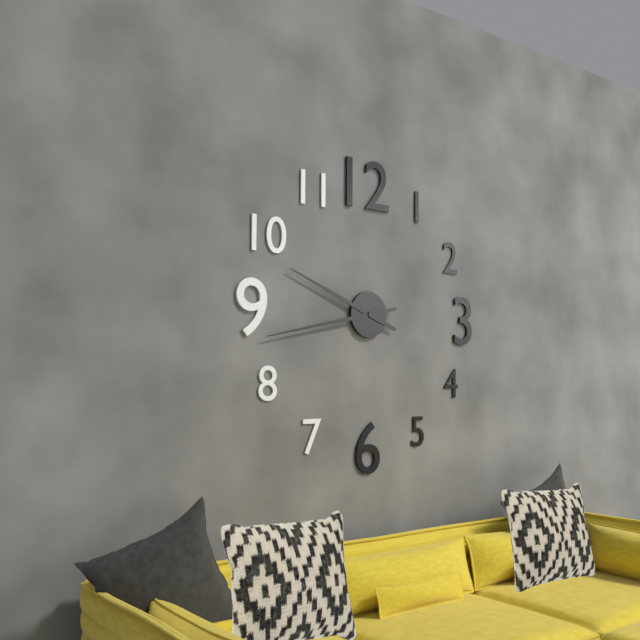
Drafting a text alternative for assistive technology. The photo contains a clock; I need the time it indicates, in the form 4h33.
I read 9h43
